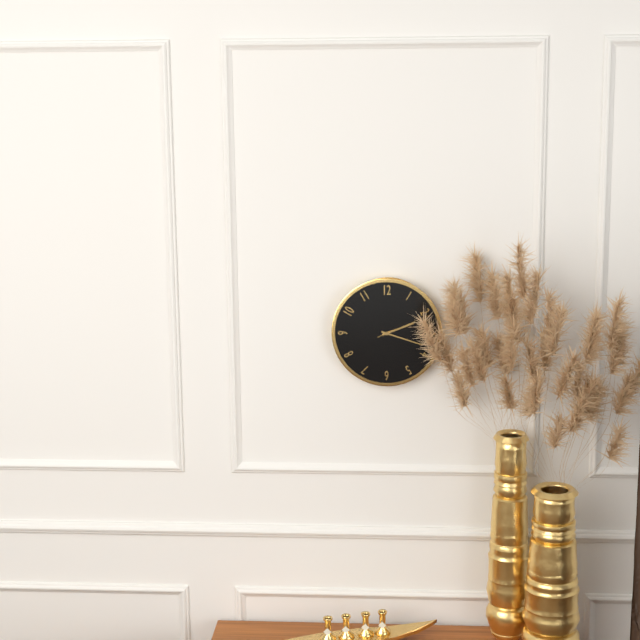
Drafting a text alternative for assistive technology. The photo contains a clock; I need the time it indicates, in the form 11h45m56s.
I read 2h18m11s
